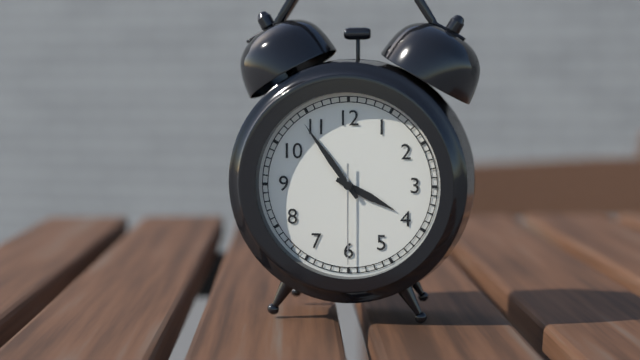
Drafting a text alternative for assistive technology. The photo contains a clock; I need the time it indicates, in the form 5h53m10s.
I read 3h54m30s
